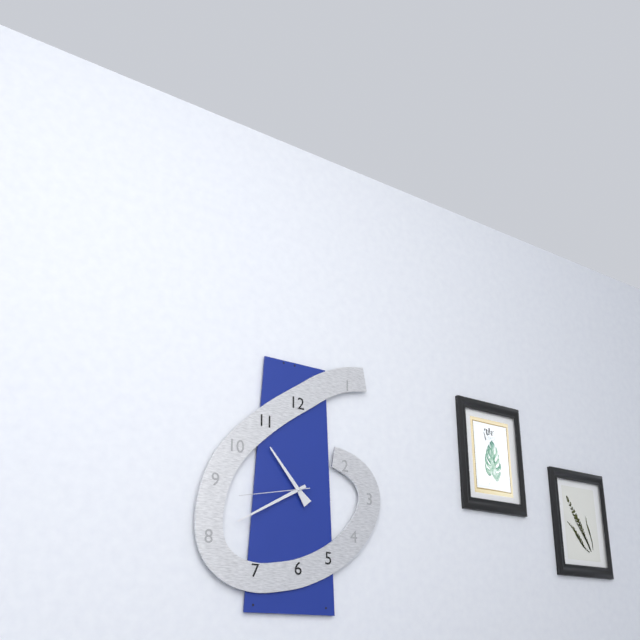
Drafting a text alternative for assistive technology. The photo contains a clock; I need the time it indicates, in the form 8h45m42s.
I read 10h40m43s
